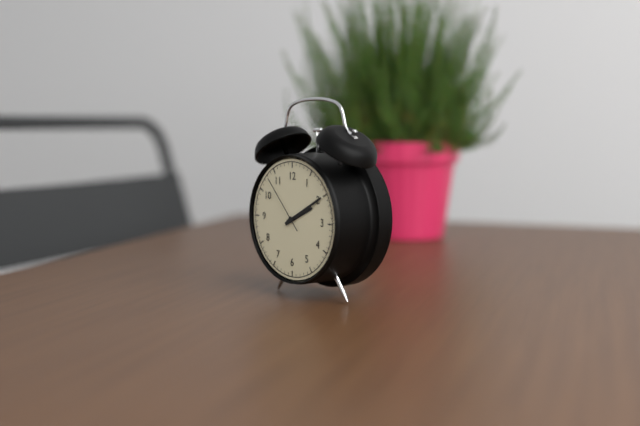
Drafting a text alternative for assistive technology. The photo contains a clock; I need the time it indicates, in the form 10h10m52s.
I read 2h10m53s
